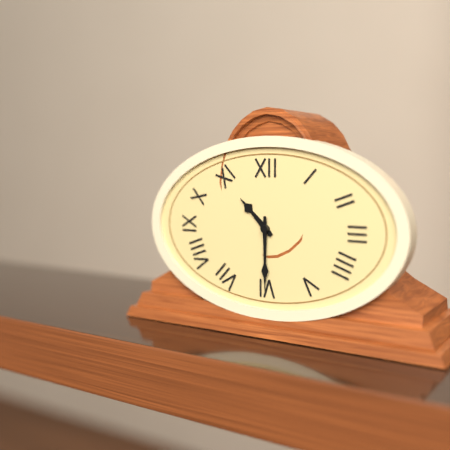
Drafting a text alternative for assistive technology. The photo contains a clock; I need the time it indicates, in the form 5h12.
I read 10h30
